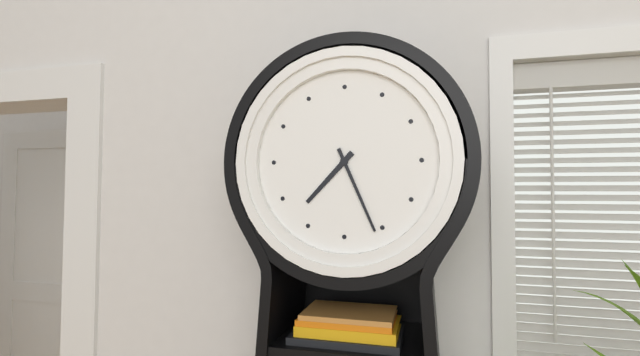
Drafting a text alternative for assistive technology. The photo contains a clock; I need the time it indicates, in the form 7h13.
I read 7h26
